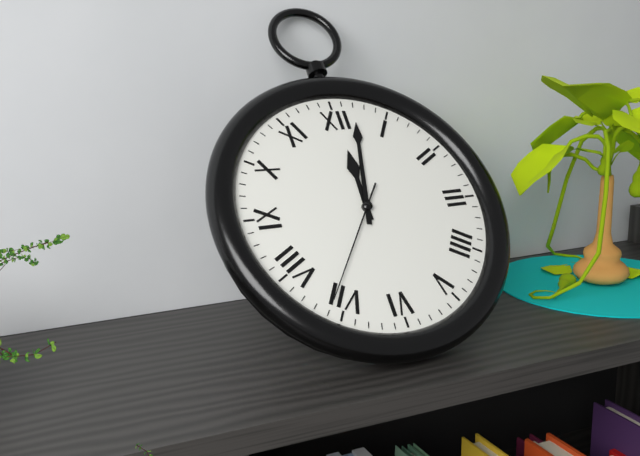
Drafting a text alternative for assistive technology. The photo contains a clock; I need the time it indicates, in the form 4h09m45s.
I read 12h02m36s
